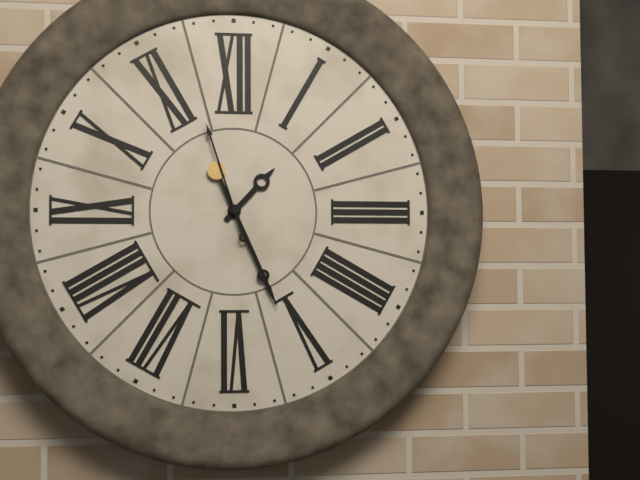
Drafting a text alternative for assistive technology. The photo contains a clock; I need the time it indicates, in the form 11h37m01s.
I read 1h26m57s
